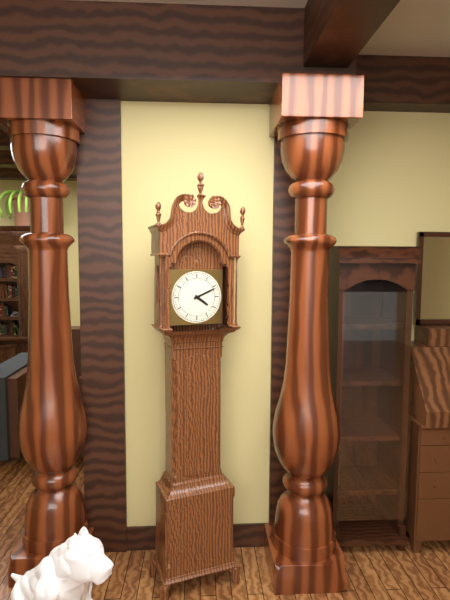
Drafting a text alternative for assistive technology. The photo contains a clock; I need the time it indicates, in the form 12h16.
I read 4h11
